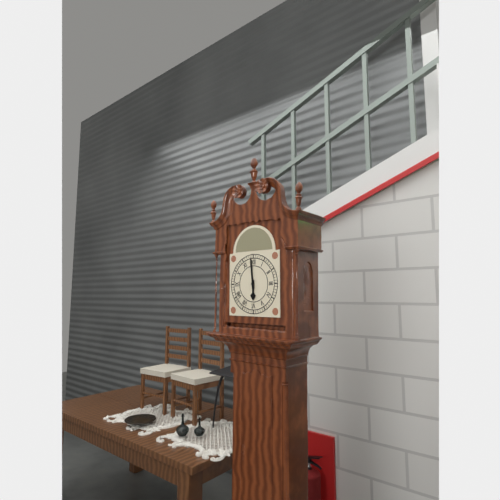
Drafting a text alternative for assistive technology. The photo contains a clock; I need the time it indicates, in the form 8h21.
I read 5h59
